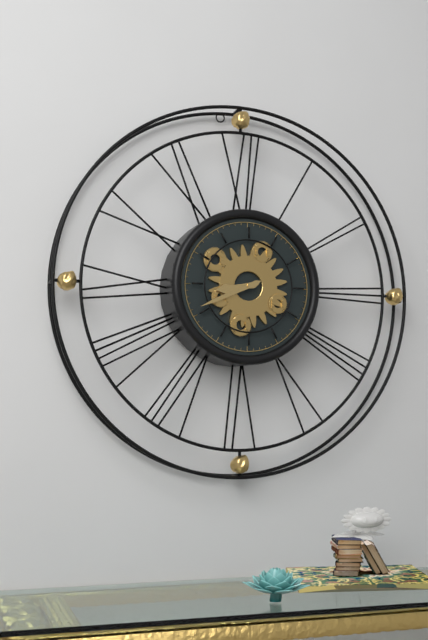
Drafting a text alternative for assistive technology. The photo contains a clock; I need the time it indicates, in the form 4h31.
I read 8h41
